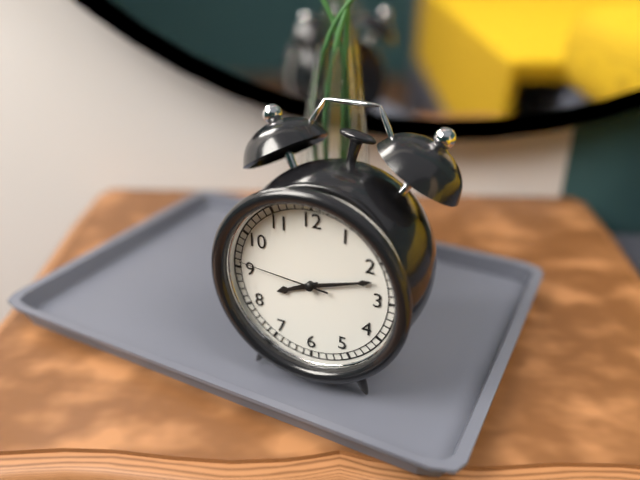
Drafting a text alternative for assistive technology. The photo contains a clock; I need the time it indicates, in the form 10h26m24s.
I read 8h12m46s
